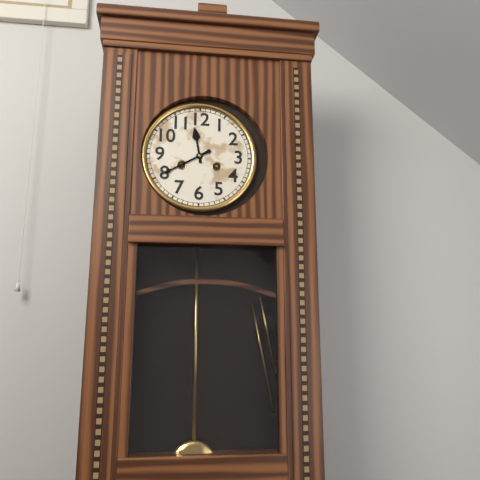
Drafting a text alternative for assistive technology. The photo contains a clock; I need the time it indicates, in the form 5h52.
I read 11h40
